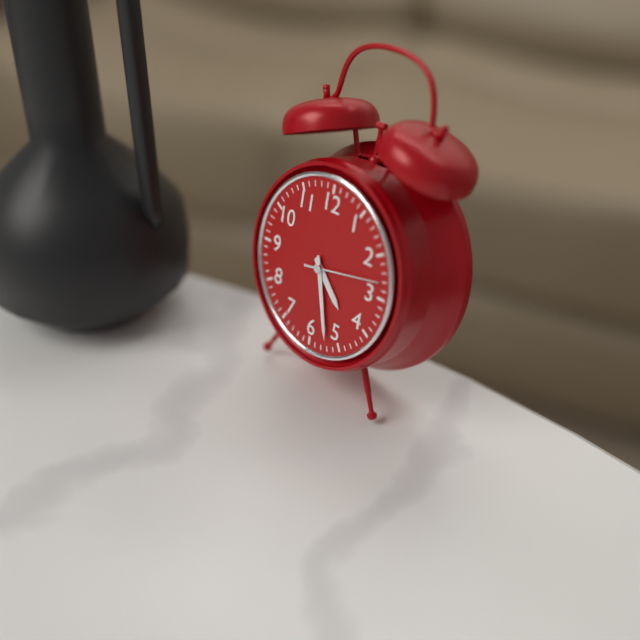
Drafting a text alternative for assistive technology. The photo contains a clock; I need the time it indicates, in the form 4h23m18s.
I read 4h27m13s
